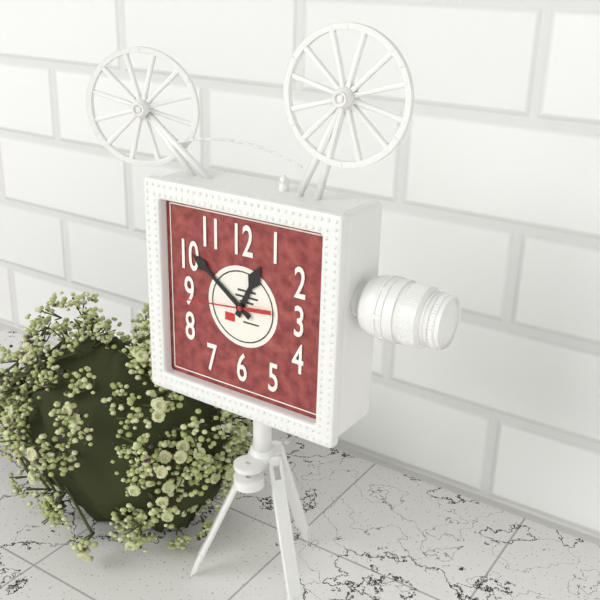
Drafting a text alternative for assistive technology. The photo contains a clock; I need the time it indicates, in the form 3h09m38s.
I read 12h51m44s
